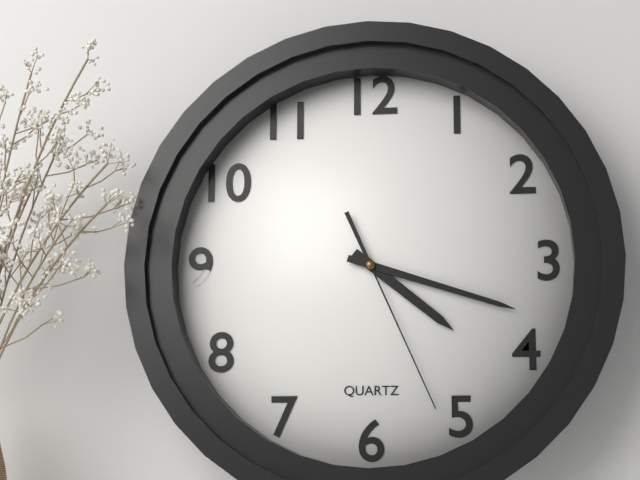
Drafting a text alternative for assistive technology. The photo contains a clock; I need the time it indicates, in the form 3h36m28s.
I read 4h18m26s
